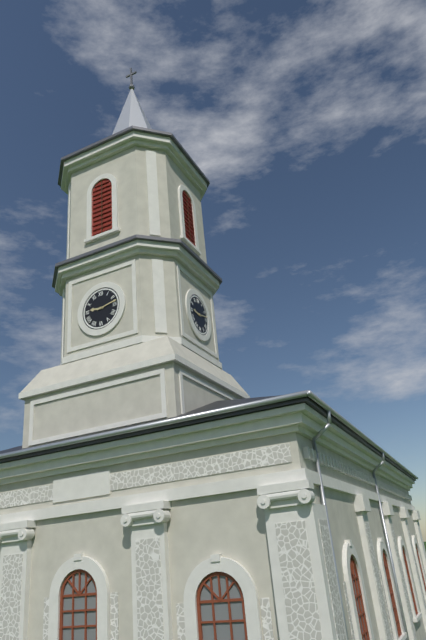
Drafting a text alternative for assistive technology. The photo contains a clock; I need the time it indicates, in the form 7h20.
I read 9h13
